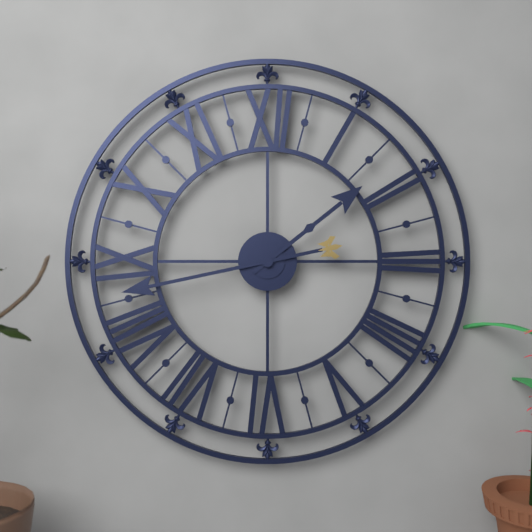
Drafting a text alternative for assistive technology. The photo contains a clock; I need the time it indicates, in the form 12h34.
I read 1h43
